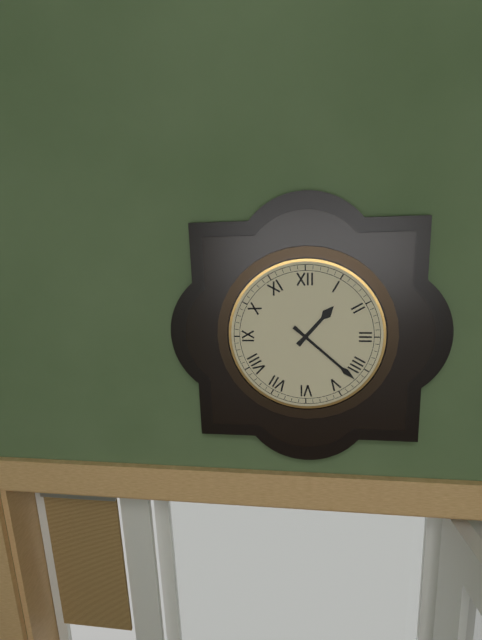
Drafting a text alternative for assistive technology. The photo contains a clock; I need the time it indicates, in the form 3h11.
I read 1h22
